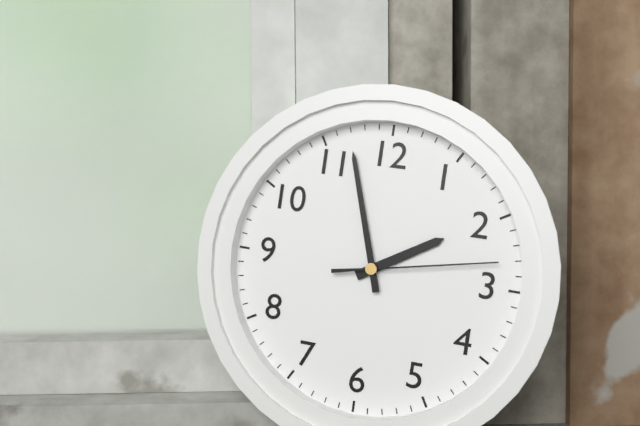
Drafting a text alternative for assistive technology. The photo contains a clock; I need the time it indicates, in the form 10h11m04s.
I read 1h57m13s
